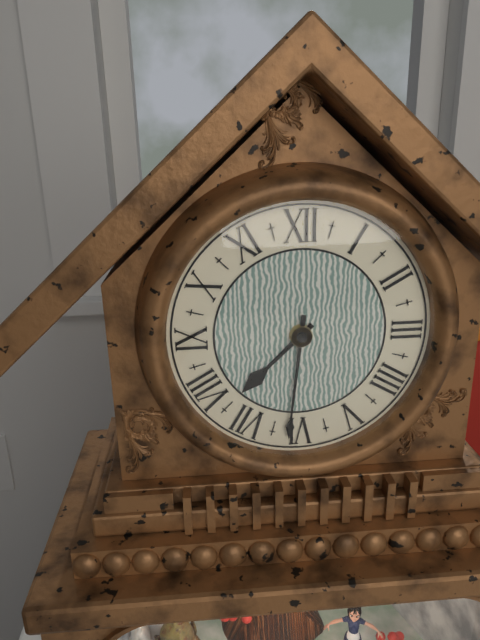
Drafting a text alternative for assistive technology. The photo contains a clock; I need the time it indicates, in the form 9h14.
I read 7h31
